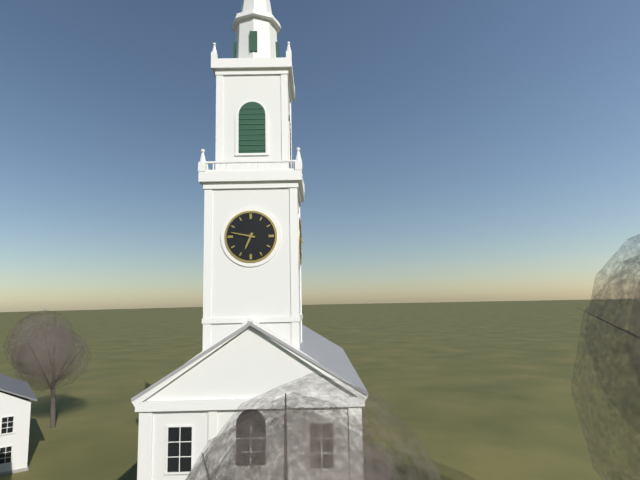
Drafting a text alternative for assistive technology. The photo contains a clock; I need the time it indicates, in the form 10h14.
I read 6h47
